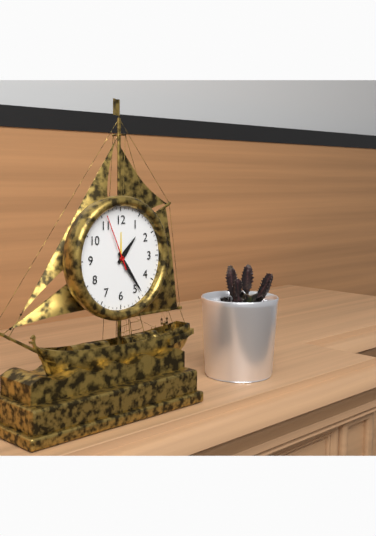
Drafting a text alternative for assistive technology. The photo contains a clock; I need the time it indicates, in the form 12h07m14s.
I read 1h24m56s
